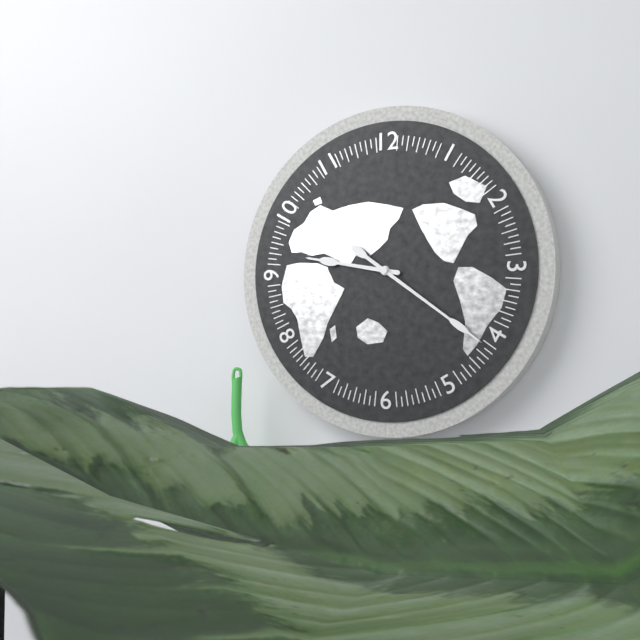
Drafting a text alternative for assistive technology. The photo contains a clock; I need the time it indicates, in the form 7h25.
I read 9h21
